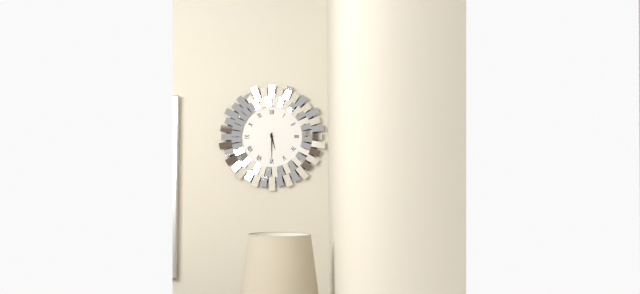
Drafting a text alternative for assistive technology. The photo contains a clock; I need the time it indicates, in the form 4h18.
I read 5h30
